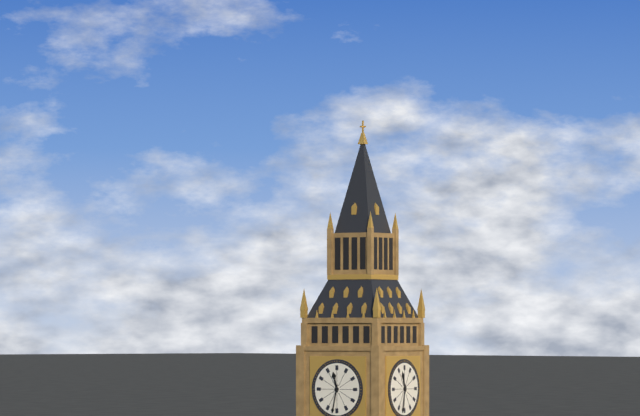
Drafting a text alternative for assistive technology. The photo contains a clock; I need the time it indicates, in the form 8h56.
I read 11h32
